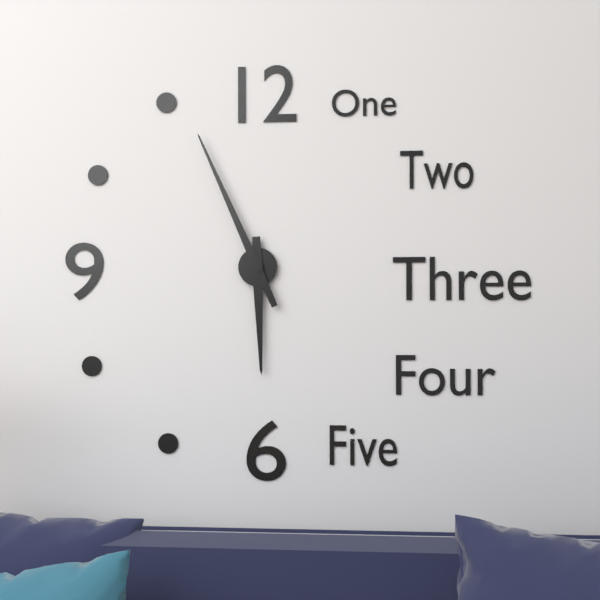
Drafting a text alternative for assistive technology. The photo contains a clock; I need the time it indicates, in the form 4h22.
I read 5h56
